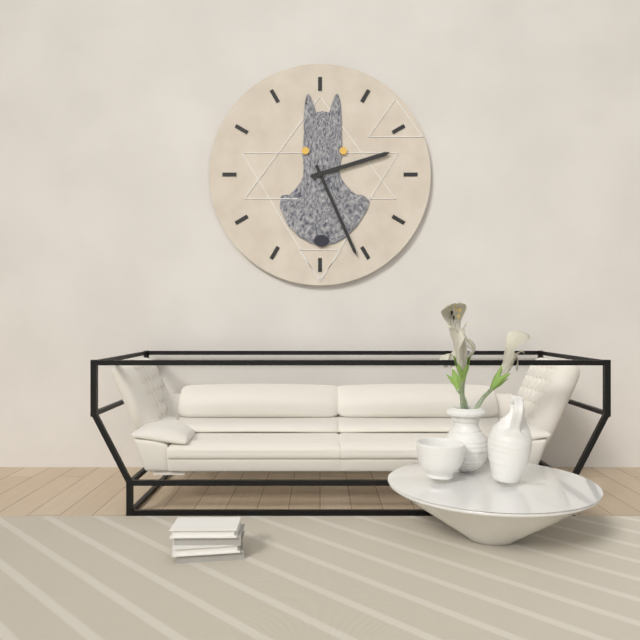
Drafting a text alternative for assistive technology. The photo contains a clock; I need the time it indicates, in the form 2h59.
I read 2h26
